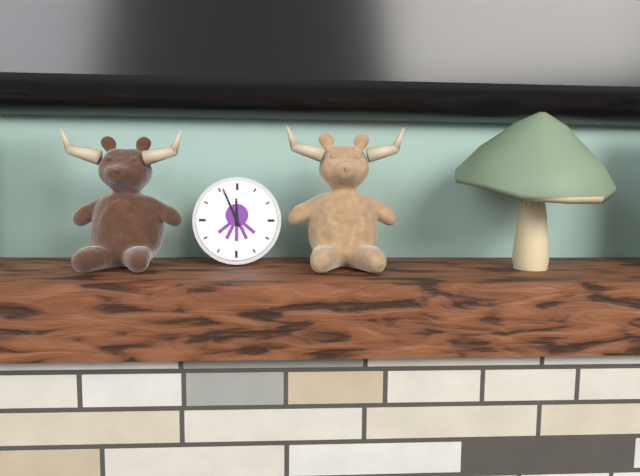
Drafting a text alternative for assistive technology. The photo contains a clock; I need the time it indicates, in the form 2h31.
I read 11h56
